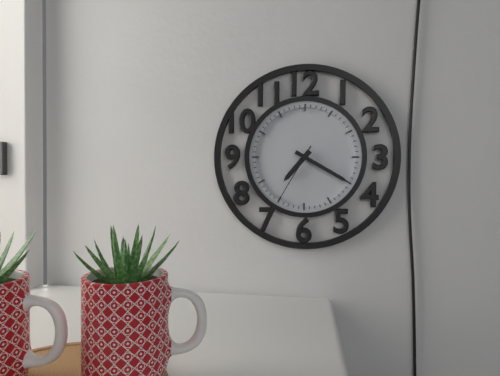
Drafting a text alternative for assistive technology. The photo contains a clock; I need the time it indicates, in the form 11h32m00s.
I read 7h20m35s
